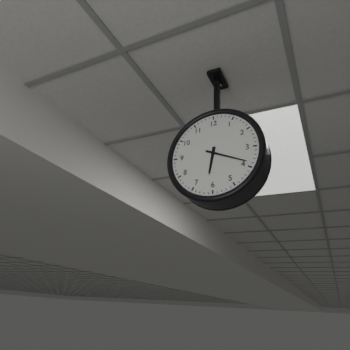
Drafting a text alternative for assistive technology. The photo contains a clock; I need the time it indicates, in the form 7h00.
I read 6h19
